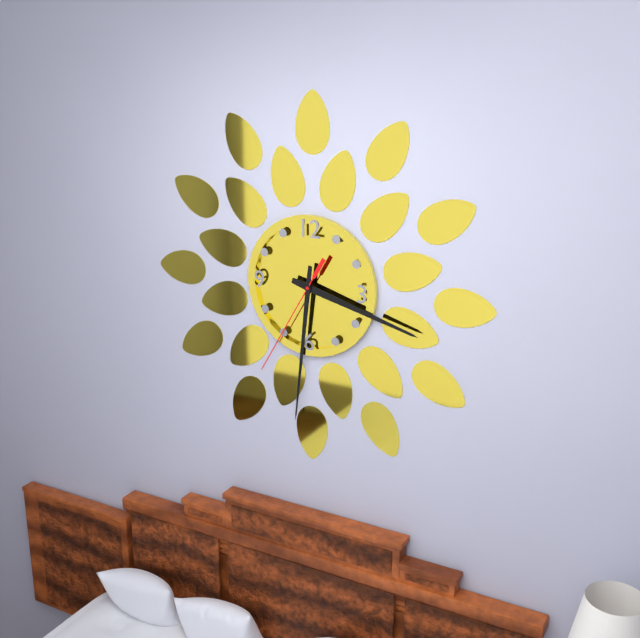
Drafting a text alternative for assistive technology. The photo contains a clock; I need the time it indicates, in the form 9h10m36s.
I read 3h31m35s
